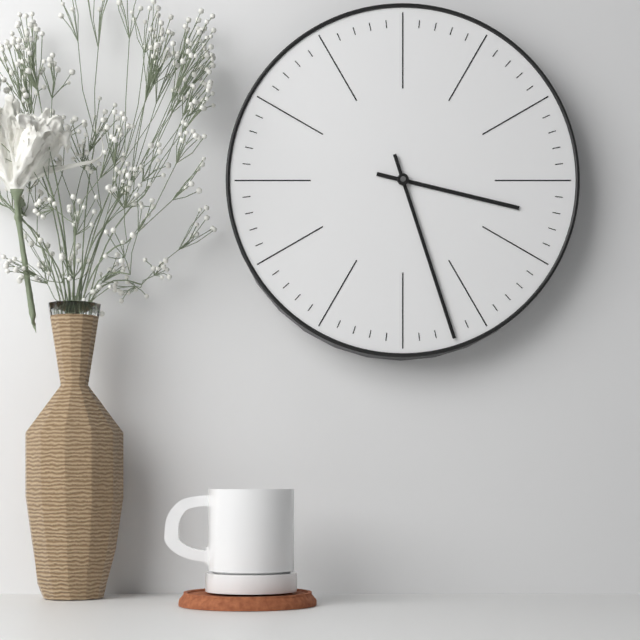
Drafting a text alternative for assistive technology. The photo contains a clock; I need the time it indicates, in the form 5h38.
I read 3h27
